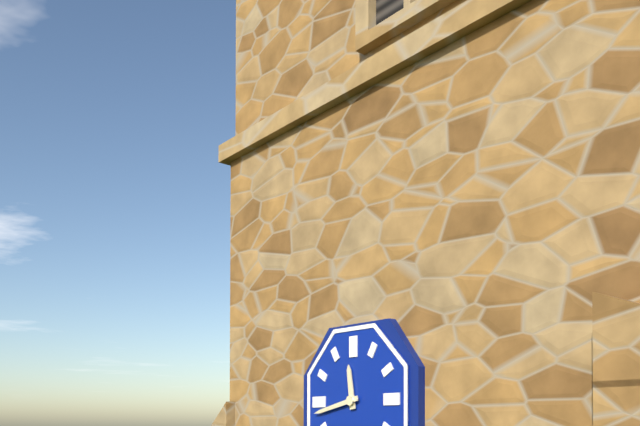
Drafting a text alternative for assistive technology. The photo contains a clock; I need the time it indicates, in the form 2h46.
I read 11h43
